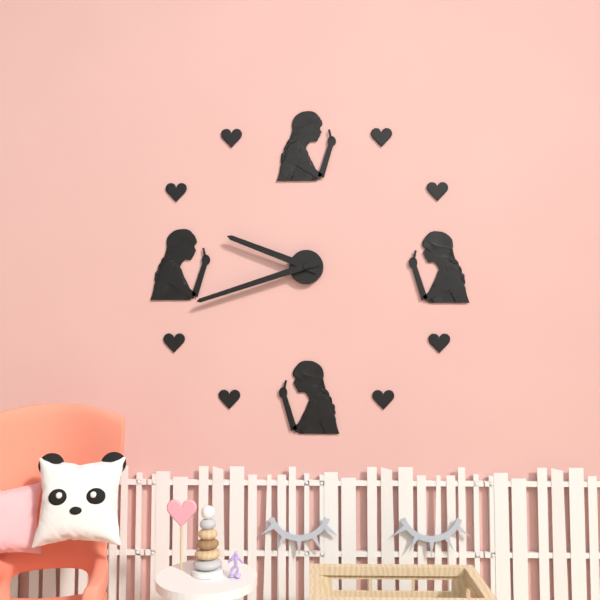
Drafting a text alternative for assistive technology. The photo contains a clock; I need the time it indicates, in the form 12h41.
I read 9h42
